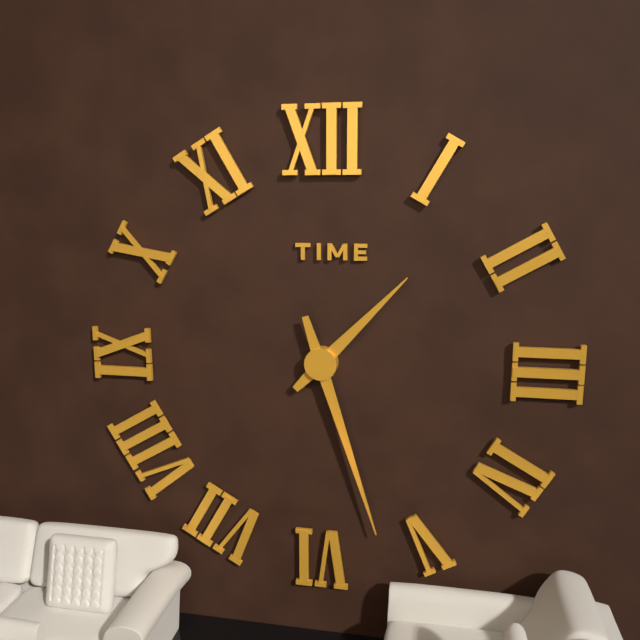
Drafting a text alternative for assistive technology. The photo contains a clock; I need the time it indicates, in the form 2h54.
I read 1h27
